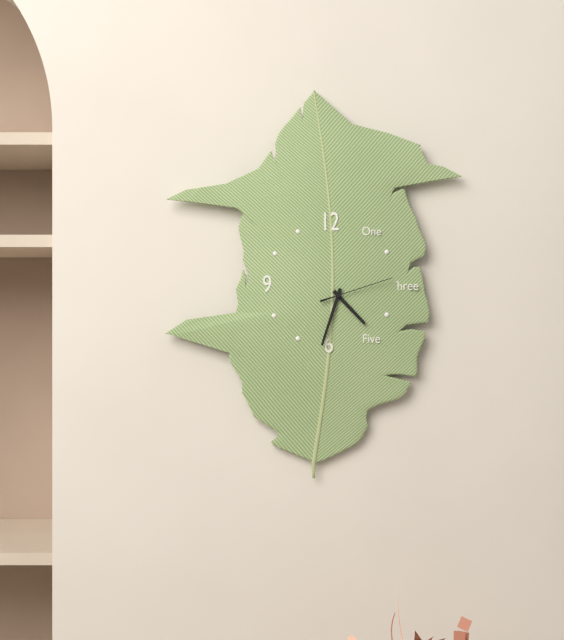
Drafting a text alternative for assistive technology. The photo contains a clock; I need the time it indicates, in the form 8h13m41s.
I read 4h33m12s
